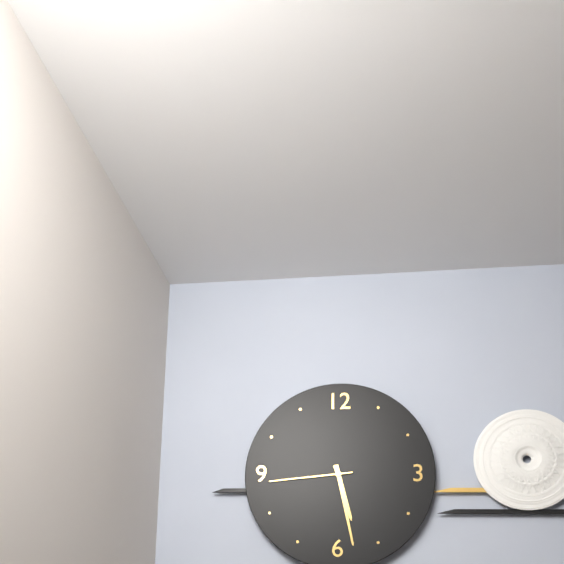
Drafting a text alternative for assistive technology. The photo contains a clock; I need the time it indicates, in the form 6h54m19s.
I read 5h28m44s
